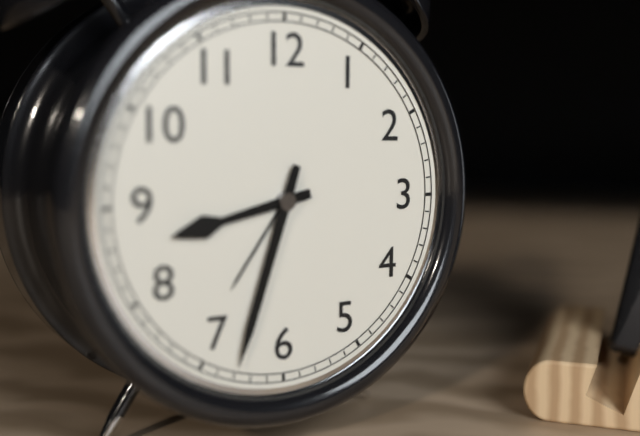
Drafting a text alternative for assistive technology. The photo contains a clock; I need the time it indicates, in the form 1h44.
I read 8h33
